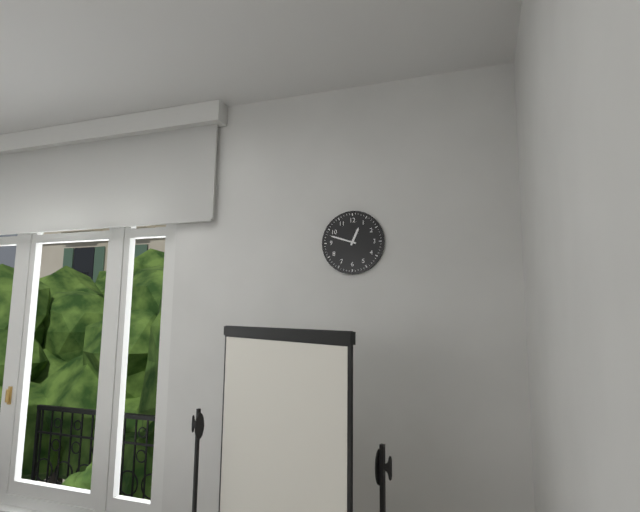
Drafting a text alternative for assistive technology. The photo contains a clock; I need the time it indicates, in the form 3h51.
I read 12h48
